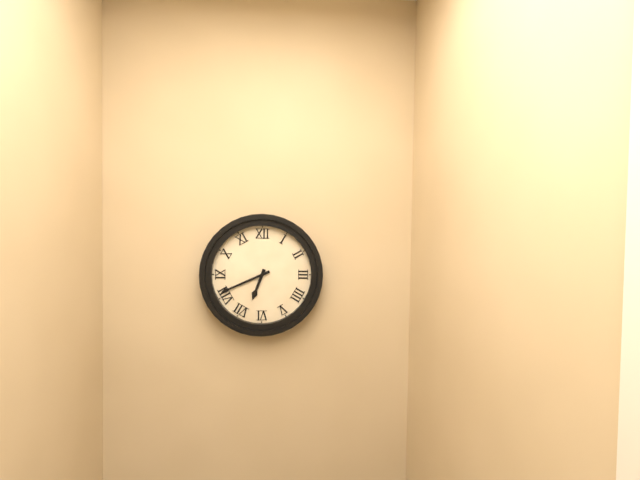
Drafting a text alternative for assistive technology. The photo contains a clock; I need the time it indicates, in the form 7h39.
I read 6h41
